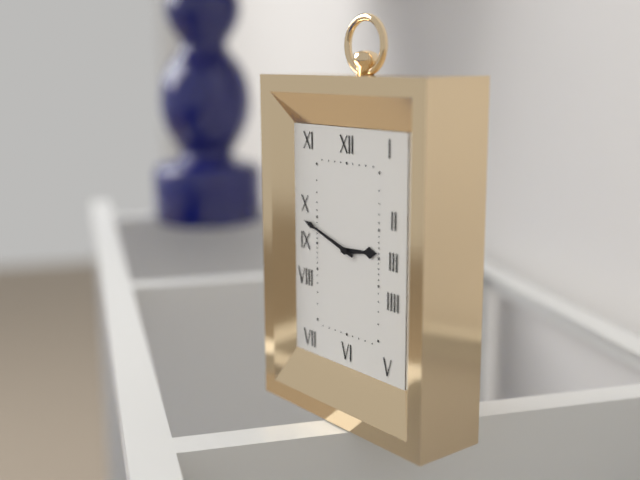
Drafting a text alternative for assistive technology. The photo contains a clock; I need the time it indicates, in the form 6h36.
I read 2h48
